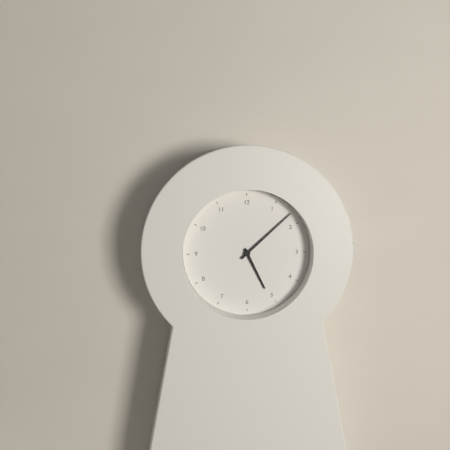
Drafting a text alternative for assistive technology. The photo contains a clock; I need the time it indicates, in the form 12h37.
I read 5h08
